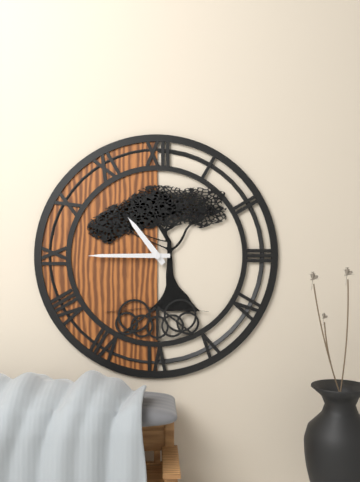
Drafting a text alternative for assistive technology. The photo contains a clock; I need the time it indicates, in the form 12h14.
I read 10h45
